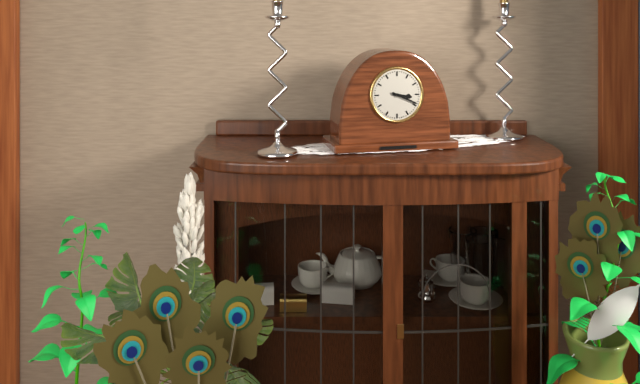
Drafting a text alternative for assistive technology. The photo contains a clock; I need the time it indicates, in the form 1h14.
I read 3h19
